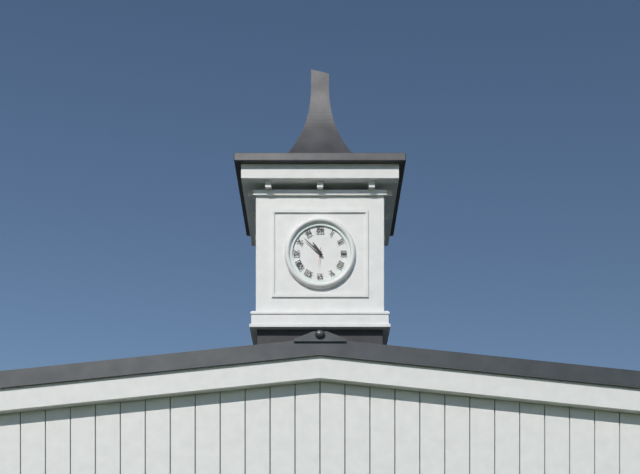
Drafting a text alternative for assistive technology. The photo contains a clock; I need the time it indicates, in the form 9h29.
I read 10h52
